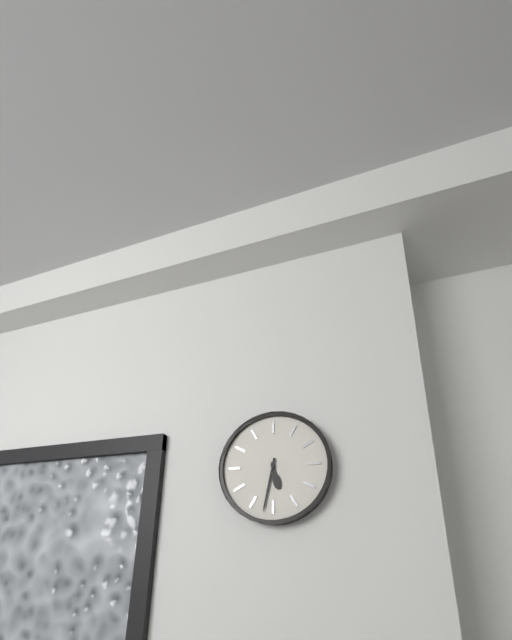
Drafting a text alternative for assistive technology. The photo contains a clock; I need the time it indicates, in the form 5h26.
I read 5h32
